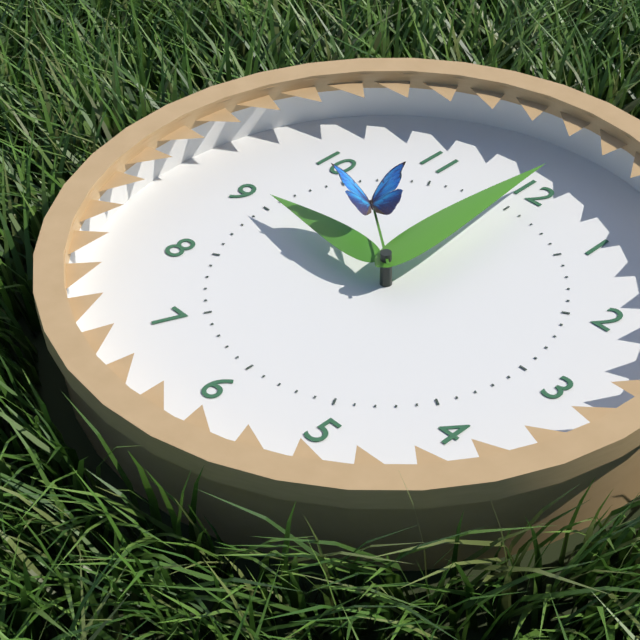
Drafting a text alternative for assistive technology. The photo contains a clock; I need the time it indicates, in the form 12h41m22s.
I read 9h00m51s
